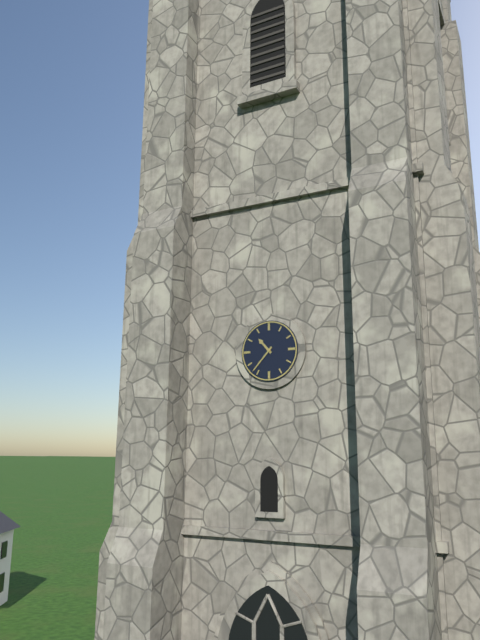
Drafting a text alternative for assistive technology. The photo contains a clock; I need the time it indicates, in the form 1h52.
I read 10h37
